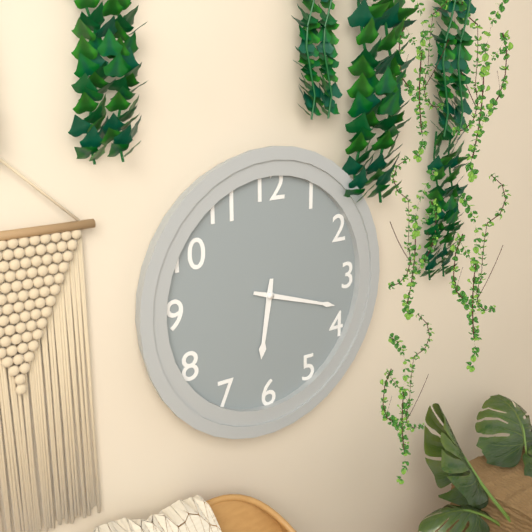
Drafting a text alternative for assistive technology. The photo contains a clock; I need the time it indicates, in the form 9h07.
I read 6h18
